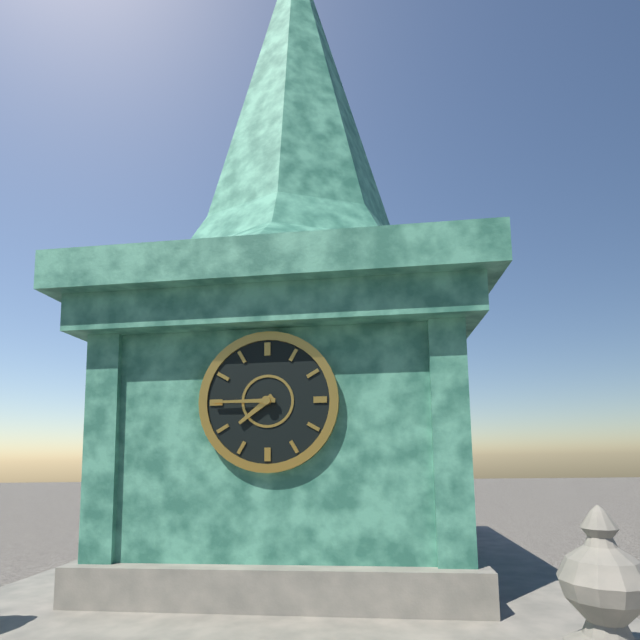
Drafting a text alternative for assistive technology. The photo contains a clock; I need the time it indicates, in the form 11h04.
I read 7h45
